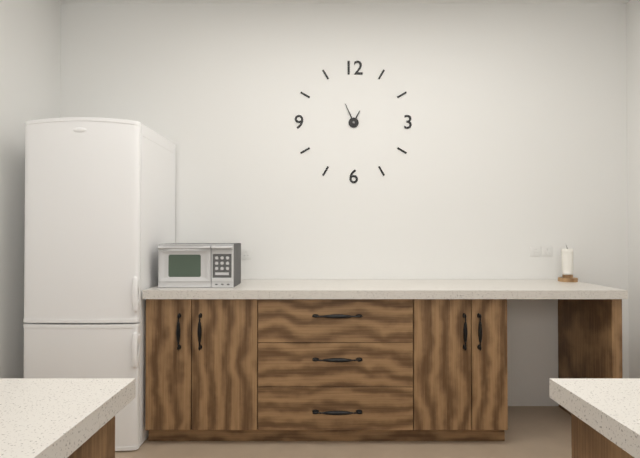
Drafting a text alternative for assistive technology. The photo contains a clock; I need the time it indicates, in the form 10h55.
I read 12h56
